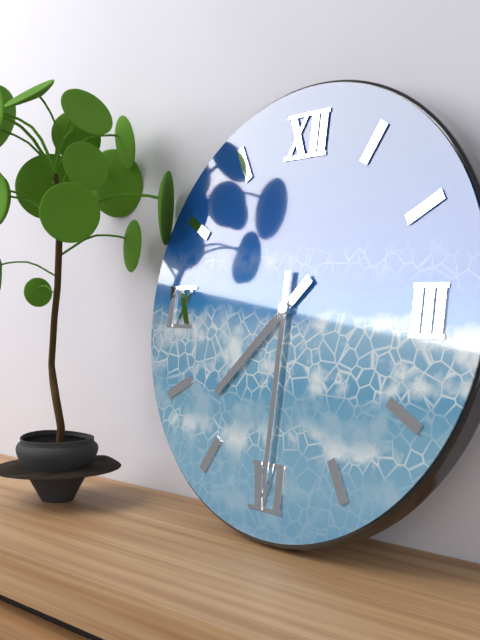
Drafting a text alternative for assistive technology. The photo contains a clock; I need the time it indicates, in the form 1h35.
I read 7h30
